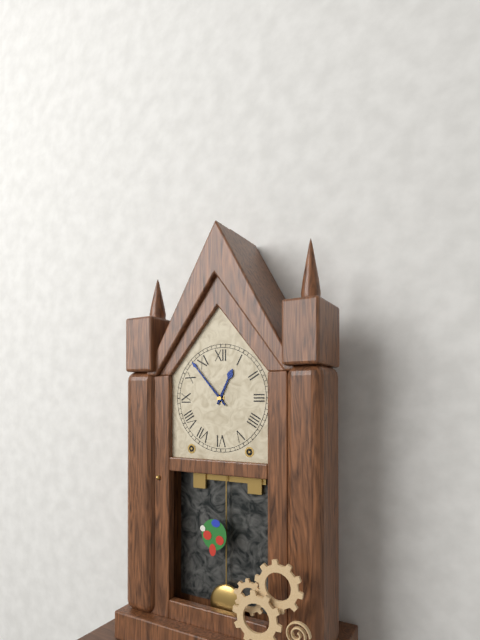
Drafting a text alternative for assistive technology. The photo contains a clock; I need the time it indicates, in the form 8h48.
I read 12h53
